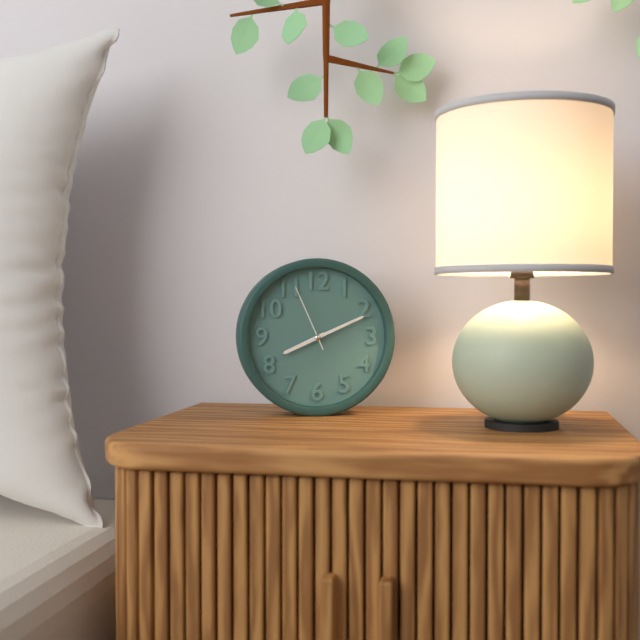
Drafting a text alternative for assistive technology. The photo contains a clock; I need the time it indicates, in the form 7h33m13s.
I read 8h11m56s
